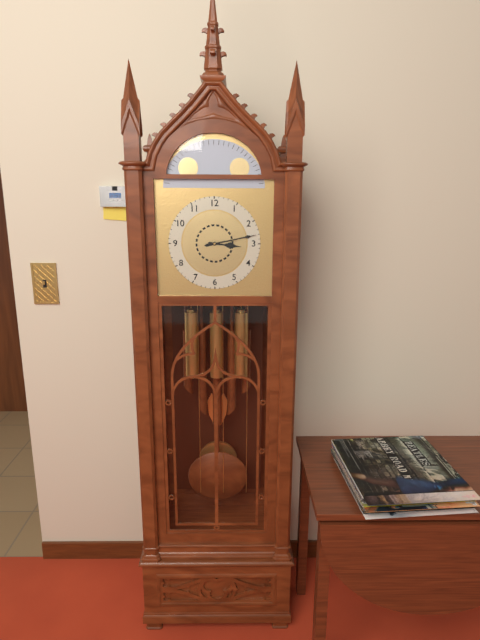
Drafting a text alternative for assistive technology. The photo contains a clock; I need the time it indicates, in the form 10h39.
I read 3h13
